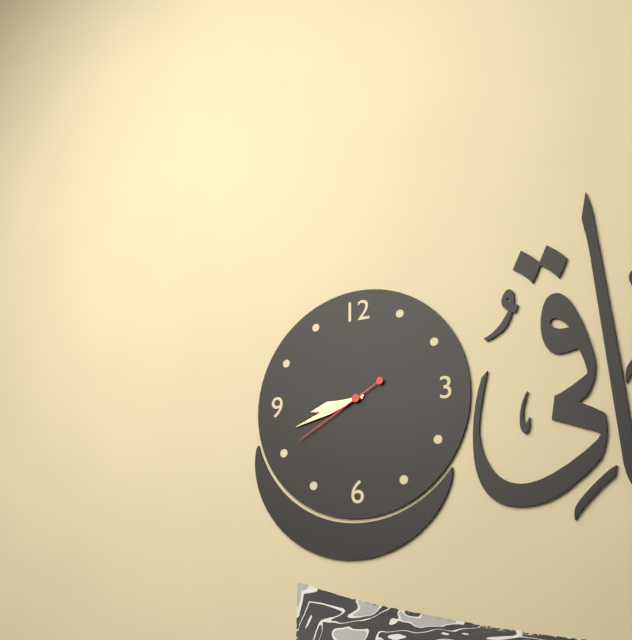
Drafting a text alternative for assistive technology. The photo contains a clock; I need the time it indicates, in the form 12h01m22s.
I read 8h42m40s
